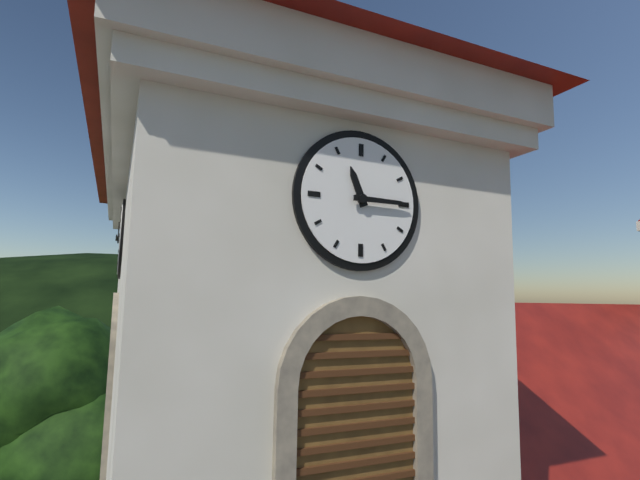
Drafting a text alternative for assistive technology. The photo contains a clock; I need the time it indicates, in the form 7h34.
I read 11h15
